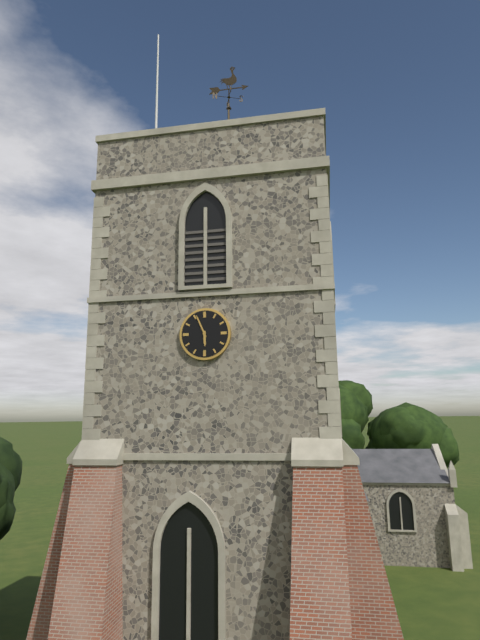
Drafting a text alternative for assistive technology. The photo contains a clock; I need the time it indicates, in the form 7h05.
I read 5h56
